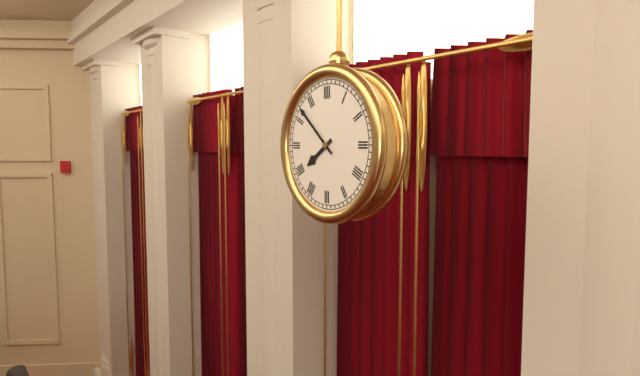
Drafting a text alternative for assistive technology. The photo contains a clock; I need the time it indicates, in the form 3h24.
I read 7h52
